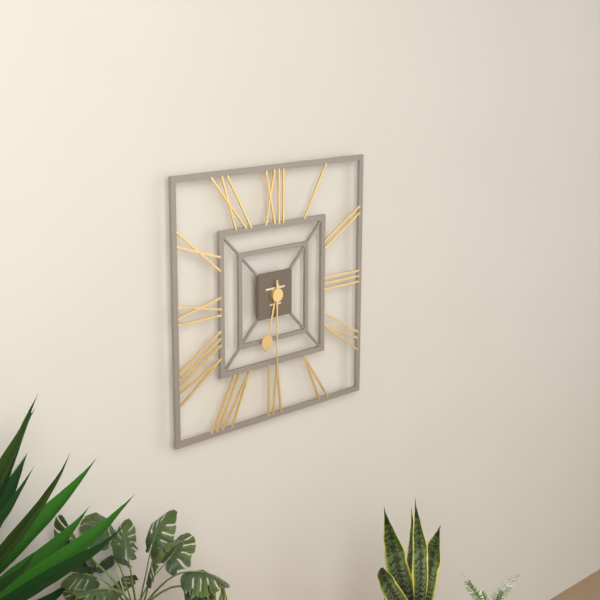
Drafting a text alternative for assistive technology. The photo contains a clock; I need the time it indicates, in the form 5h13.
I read 6h30
